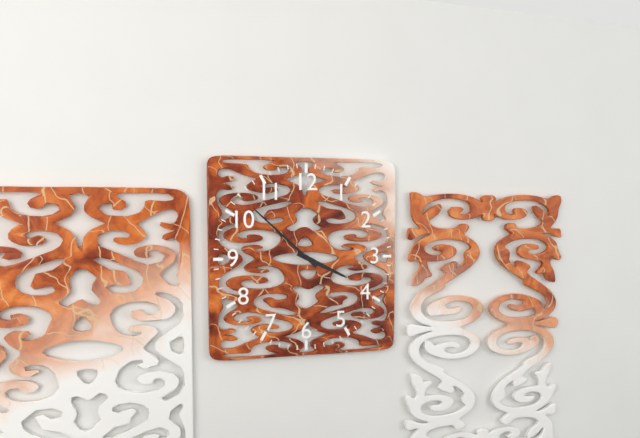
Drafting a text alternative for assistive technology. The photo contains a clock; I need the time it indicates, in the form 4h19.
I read 3h52
